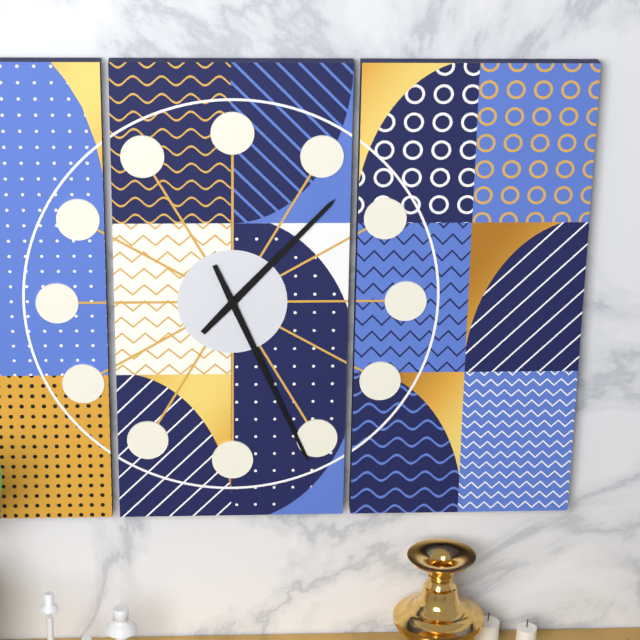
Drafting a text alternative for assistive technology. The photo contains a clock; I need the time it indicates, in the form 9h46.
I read 1h26
